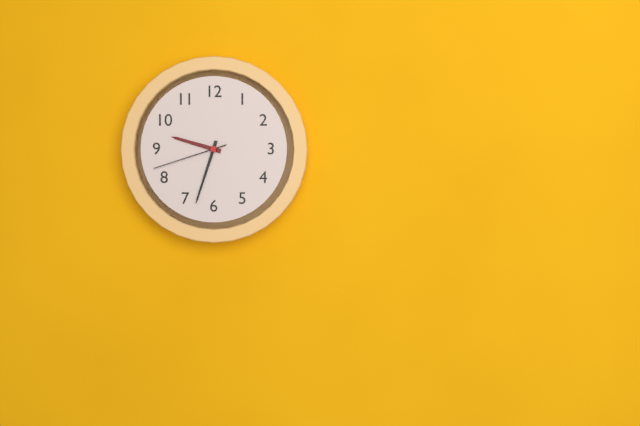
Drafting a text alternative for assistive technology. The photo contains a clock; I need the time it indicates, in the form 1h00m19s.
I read 9h33m42s
